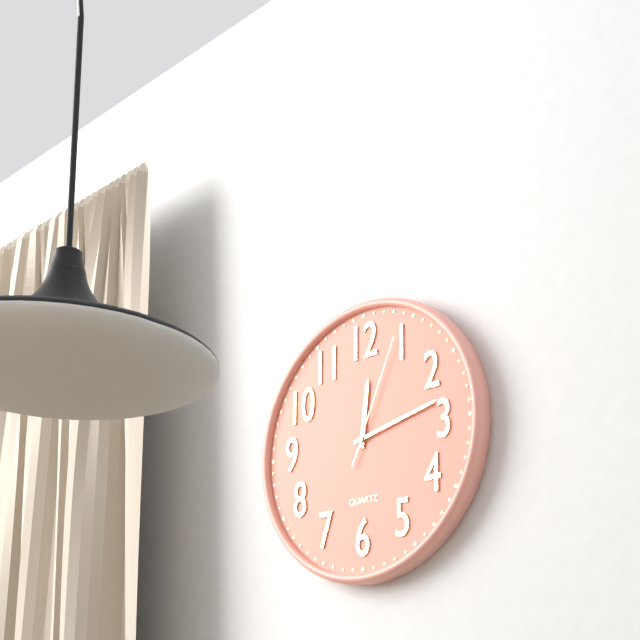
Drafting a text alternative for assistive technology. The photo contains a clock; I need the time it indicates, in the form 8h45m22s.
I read 12h13m04s
